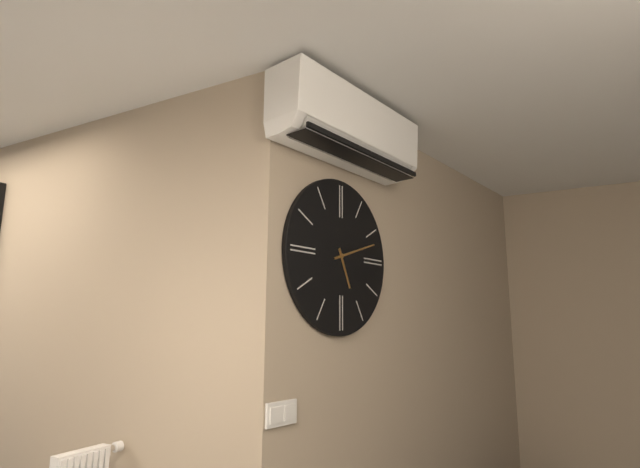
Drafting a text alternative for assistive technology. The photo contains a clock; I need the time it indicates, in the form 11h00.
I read 5h12
